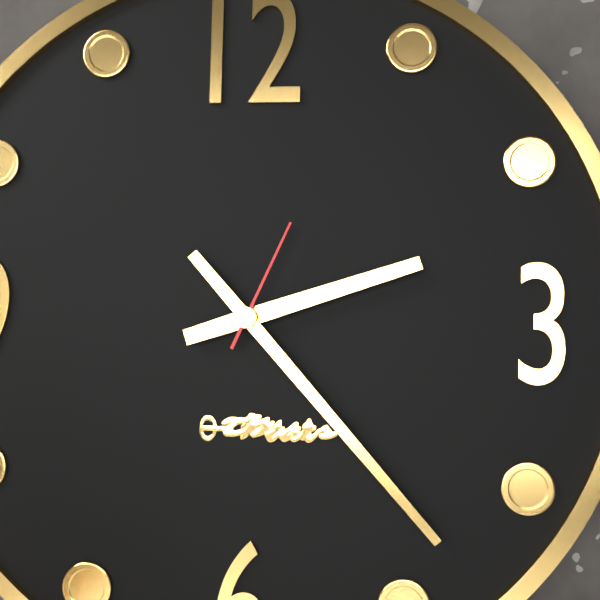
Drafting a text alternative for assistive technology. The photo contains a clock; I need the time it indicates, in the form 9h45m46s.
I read 2h23m04s
